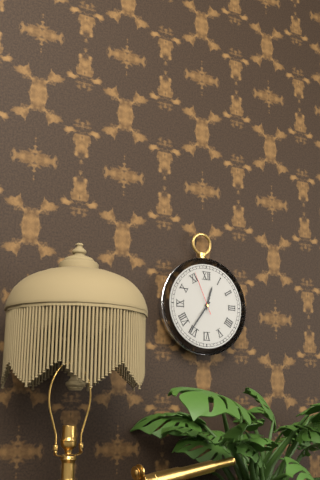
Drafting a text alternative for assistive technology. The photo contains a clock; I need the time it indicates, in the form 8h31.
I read 12h36
